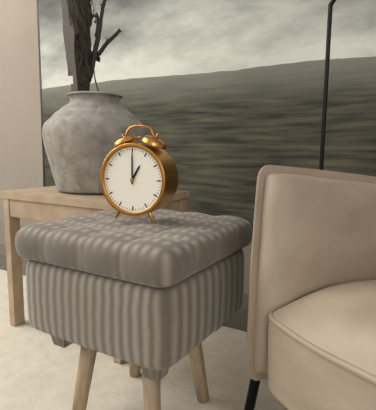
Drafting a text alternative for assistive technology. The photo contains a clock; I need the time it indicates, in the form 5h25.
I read 1h00
